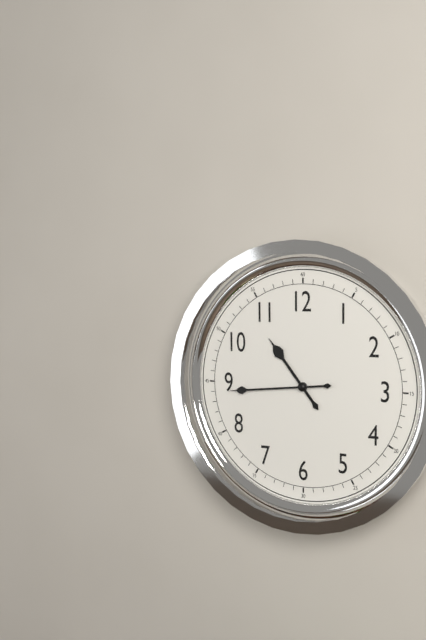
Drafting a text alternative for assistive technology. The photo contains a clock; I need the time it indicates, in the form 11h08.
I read 10h44
